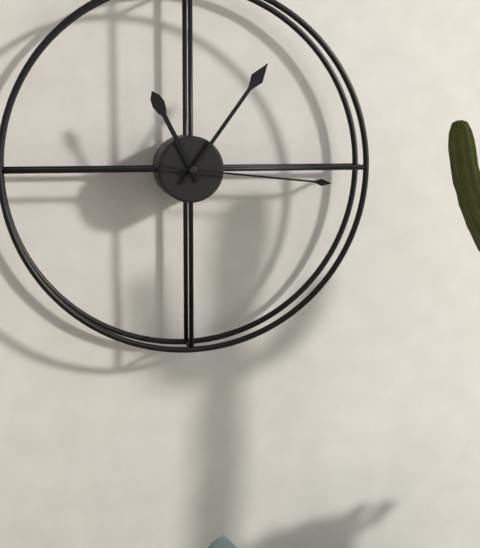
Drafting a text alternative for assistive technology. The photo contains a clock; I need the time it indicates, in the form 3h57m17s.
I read 11h06m16s
